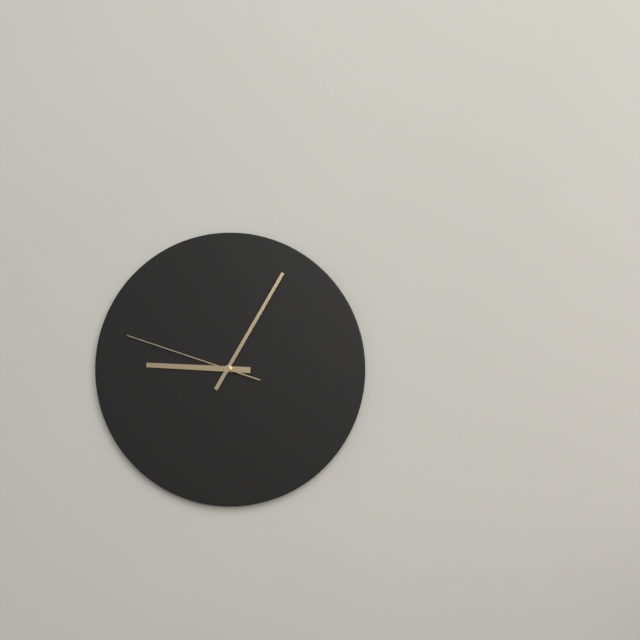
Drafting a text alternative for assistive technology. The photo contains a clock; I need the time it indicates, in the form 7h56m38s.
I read 9h05m48s
